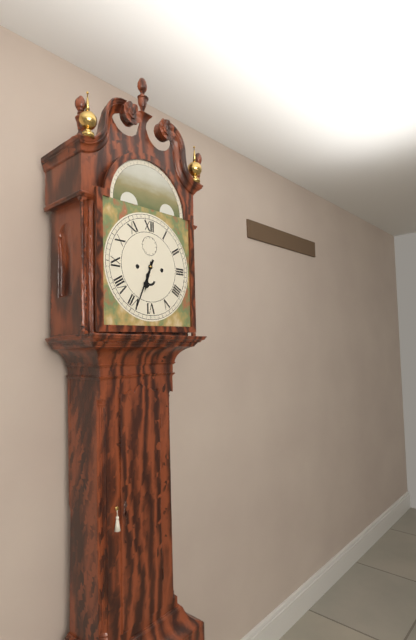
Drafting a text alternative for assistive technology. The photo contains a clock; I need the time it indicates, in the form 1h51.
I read 6h34
